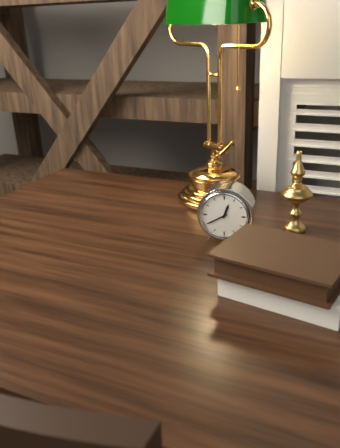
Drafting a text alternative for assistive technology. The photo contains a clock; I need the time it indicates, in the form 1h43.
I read 12h40
